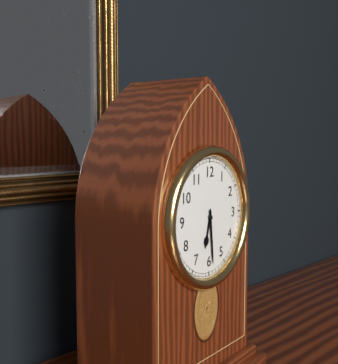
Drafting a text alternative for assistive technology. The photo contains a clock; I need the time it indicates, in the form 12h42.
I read 6h29
